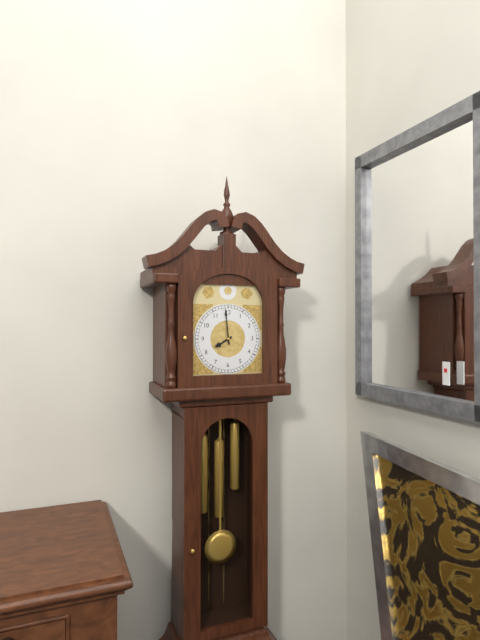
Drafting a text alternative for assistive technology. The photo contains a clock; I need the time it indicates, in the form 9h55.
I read 7h59
